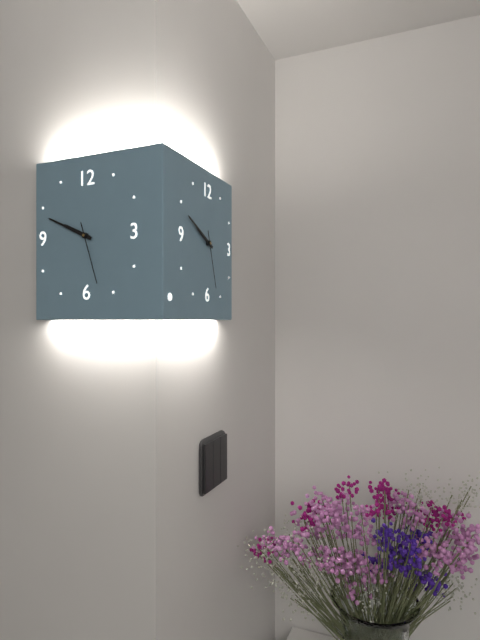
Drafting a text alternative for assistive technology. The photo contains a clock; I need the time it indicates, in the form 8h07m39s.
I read 9h49m27s
